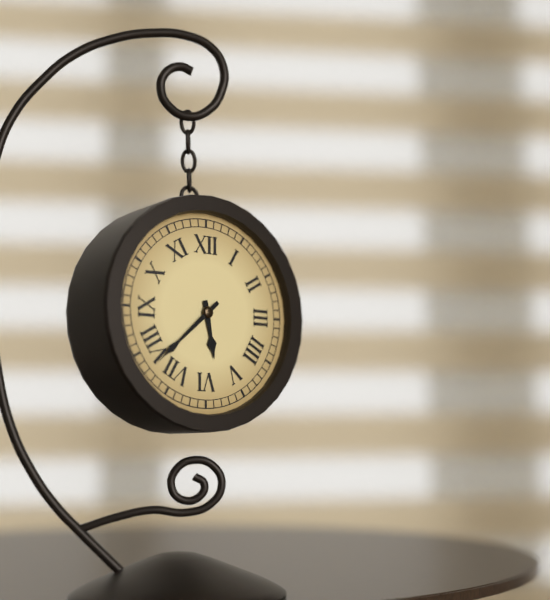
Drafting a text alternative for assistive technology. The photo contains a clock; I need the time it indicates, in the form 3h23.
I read 5h38
